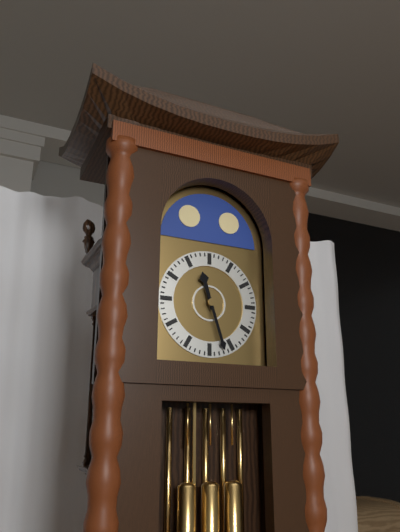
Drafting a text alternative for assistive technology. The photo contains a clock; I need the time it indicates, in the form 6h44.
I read 11h27
